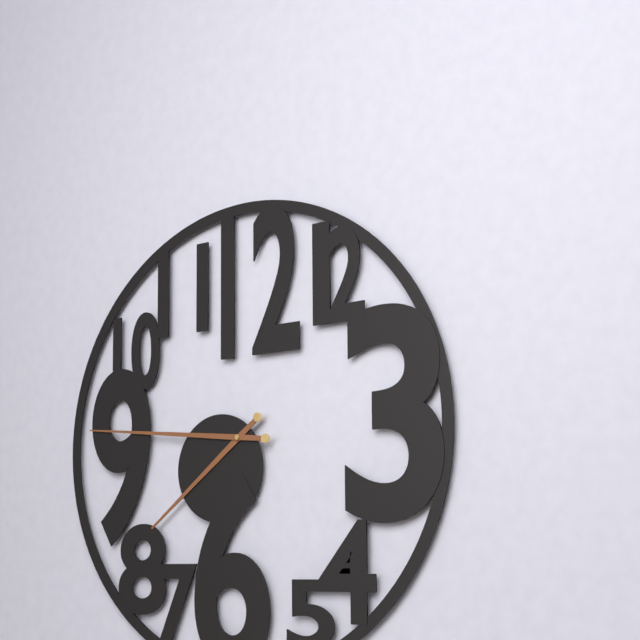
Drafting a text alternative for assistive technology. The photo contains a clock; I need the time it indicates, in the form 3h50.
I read 7h46
